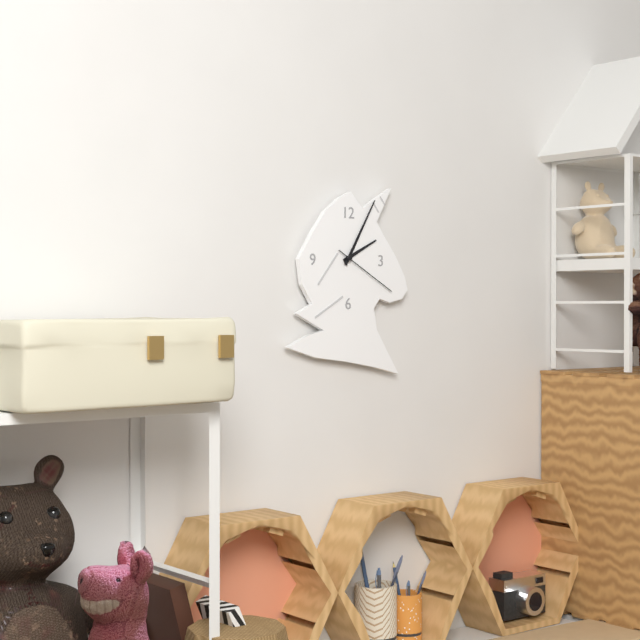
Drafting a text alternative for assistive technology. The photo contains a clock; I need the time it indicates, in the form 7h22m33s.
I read 2h05m20s
